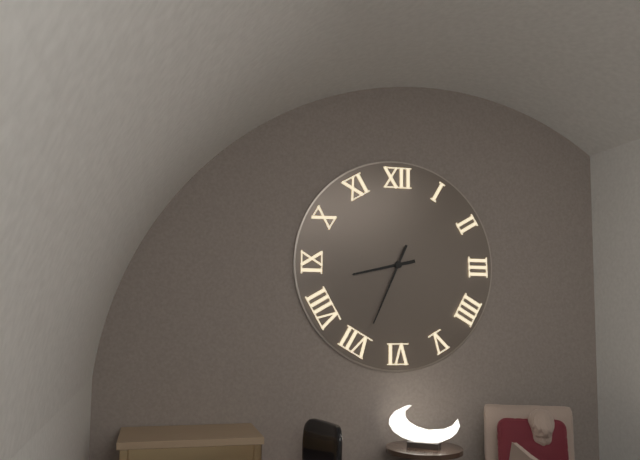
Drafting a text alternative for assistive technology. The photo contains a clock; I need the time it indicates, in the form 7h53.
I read 8h34
